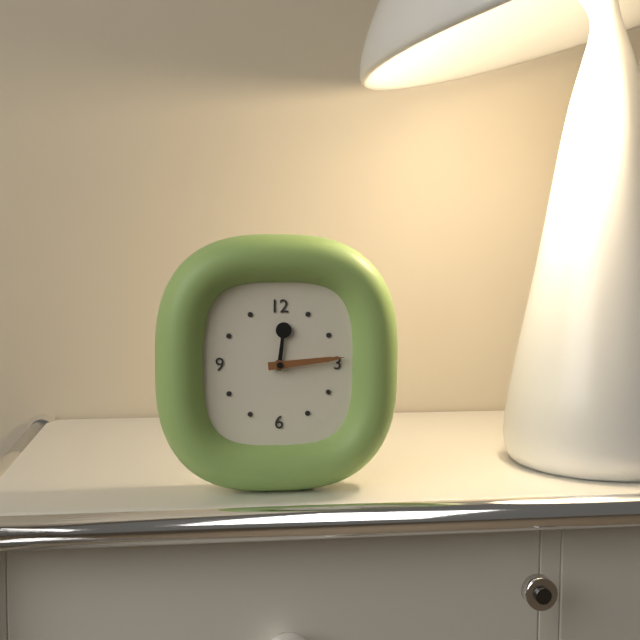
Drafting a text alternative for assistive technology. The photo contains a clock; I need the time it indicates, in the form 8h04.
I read 12h14
